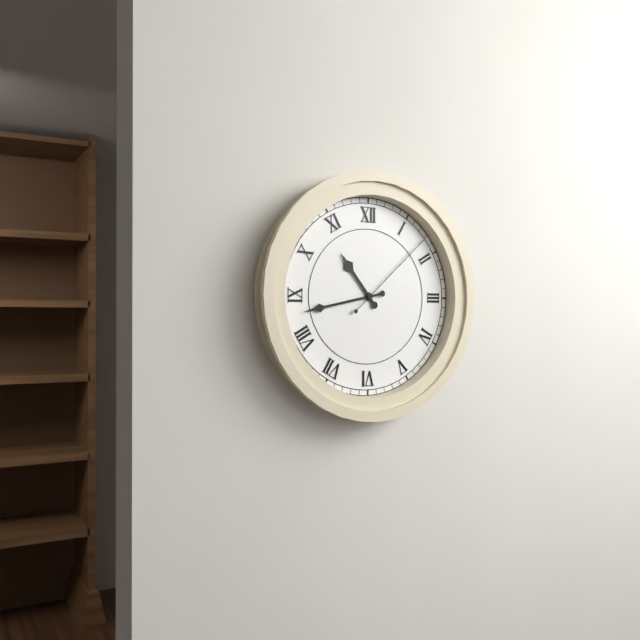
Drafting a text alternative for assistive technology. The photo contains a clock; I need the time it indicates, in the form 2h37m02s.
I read 10h43m08s
